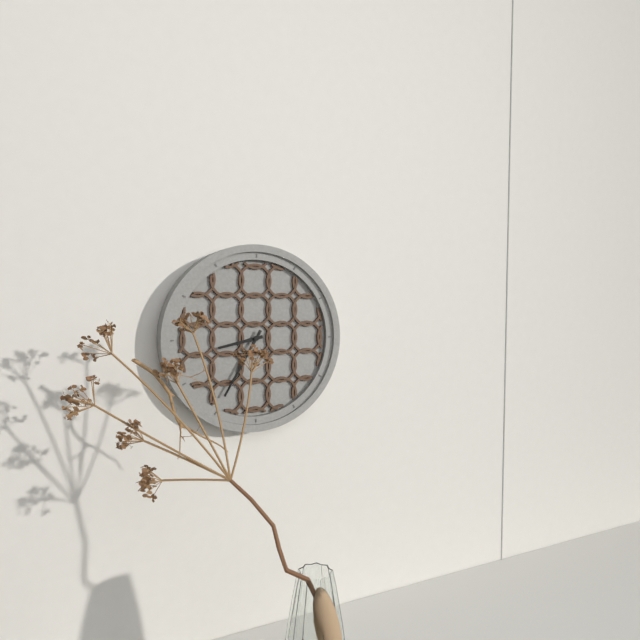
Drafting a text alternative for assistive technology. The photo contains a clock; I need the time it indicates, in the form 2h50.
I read 8h35
